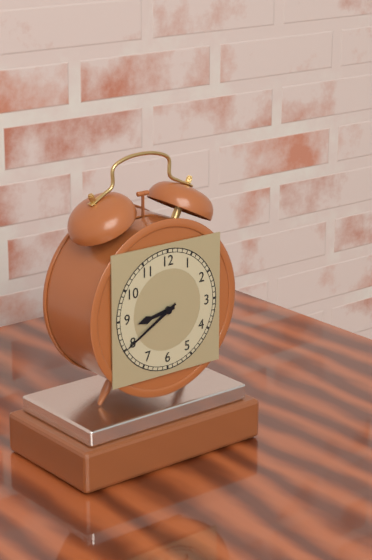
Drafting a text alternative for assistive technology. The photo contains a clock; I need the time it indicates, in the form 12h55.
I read 8h40
